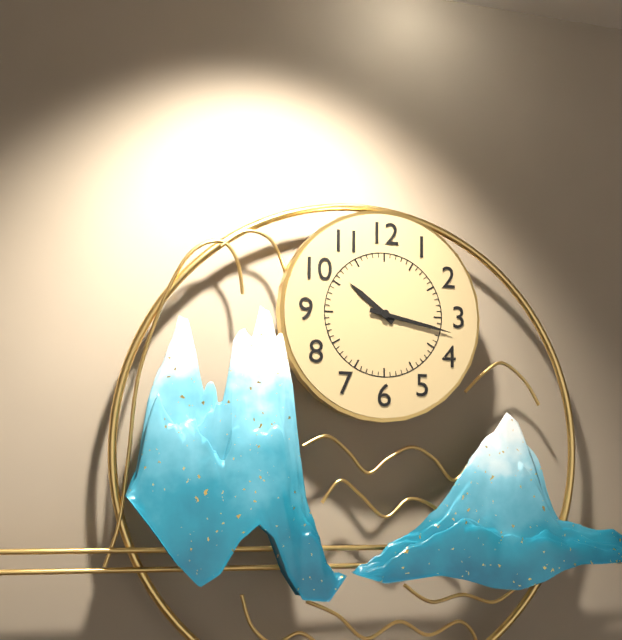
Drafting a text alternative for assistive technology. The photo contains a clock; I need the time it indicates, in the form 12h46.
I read 10h17
